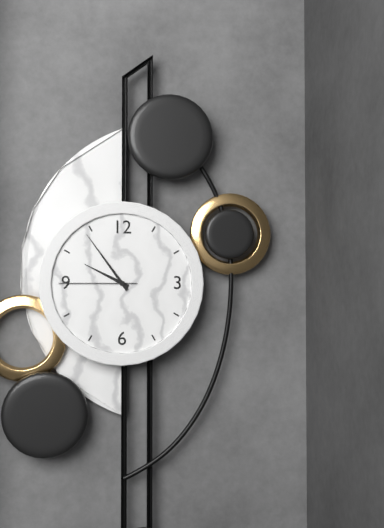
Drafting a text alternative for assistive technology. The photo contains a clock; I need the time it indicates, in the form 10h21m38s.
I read 9h54m45s
